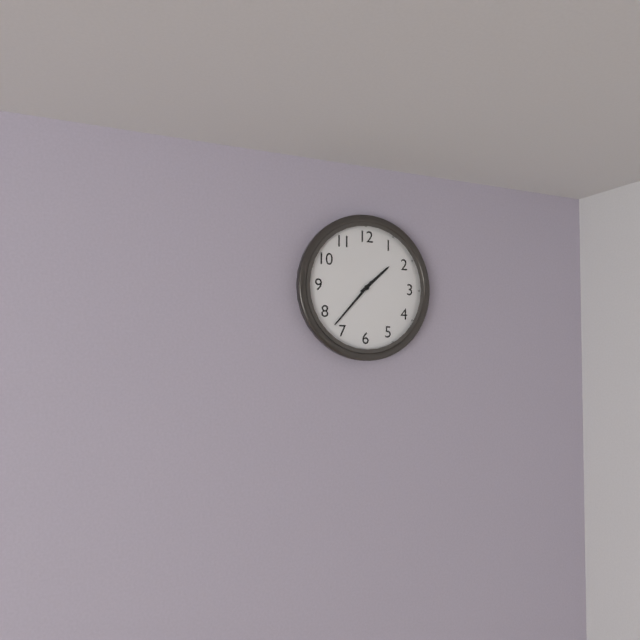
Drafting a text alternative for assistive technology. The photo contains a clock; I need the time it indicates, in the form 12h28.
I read 1h37
